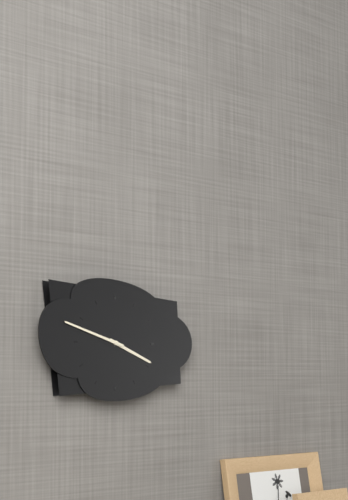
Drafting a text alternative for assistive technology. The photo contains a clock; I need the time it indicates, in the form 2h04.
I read 3h48
